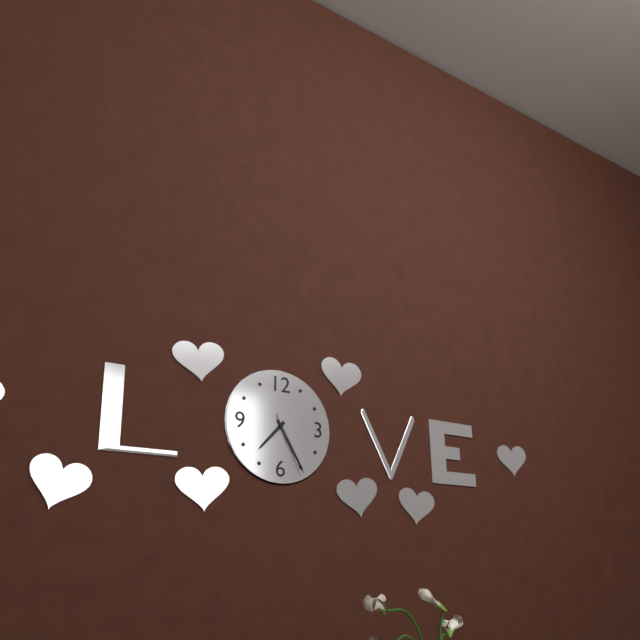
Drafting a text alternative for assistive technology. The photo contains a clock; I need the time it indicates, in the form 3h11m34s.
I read 7h25m26s
